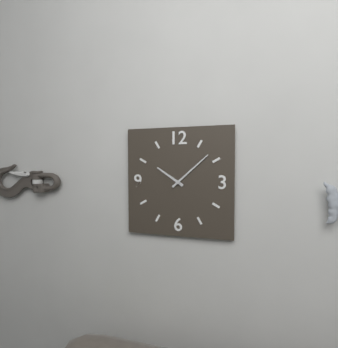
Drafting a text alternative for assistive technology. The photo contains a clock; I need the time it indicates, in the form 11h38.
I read 10h08
